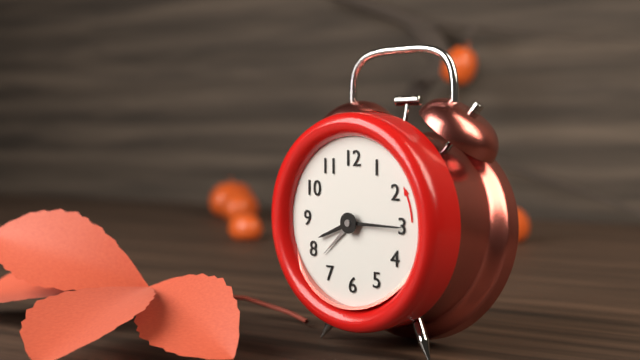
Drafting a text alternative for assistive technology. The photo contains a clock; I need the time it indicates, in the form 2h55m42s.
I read 8h15m38s
